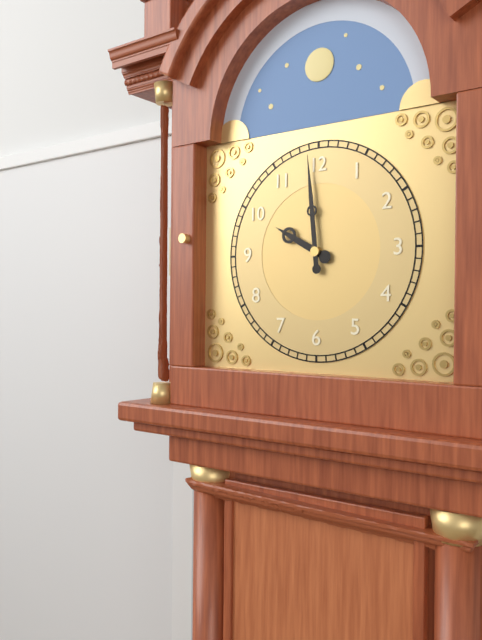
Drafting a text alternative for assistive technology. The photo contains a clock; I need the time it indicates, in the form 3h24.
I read 9h59
